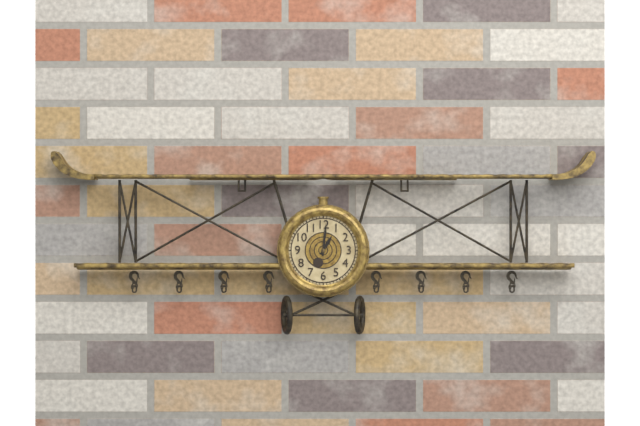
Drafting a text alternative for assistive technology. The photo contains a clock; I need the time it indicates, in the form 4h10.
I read 1h01
